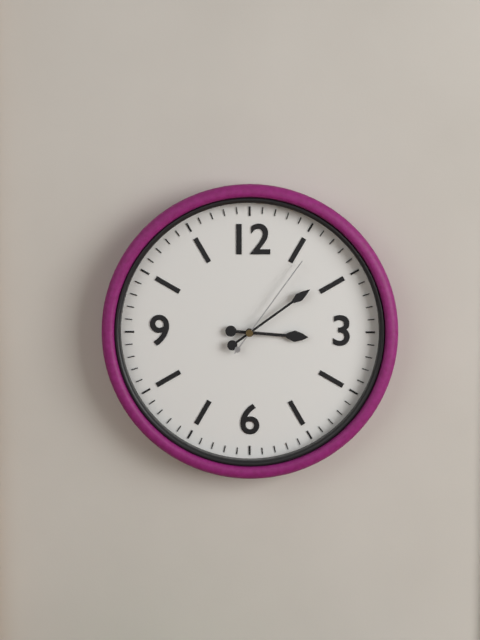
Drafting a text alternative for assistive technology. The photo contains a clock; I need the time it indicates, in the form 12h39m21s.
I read 3h09m06s
